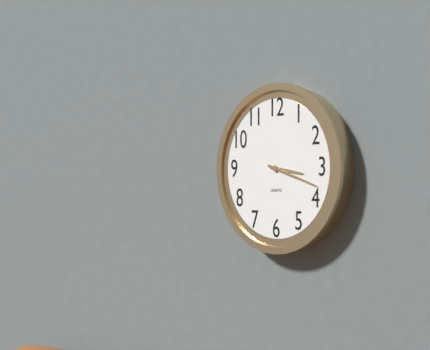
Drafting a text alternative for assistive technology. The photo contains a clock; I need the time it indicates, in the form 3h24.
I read 3h18
